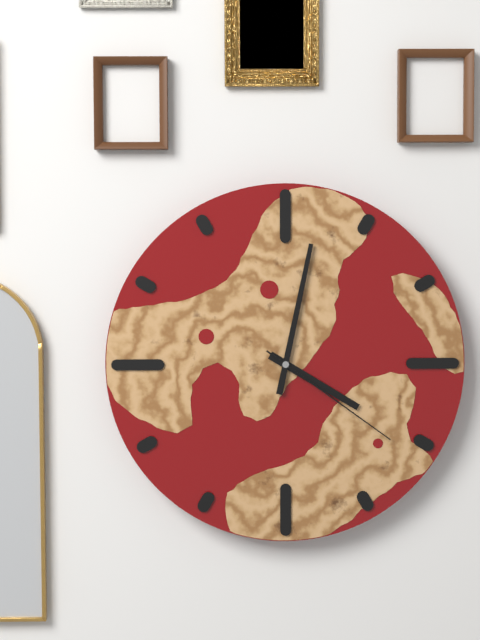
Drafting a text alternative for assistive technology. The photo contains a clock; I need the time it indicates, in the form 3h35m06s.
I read 4h02m21s
